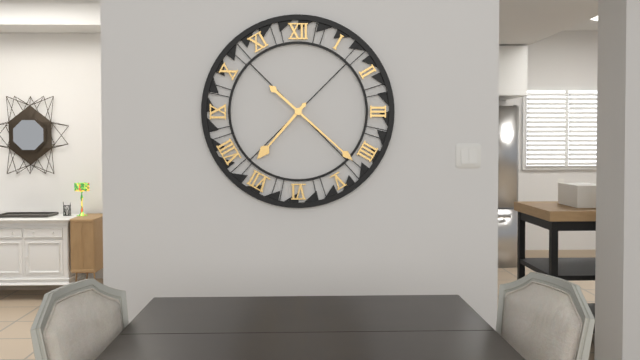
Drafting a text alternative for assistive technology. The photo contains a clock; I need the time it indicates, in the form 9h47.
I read 7h22
